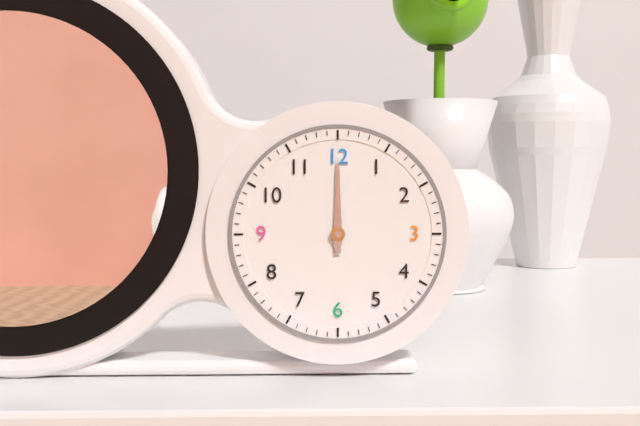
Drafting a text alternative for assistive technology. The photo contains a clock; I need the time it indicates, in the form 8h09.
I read 12h00
